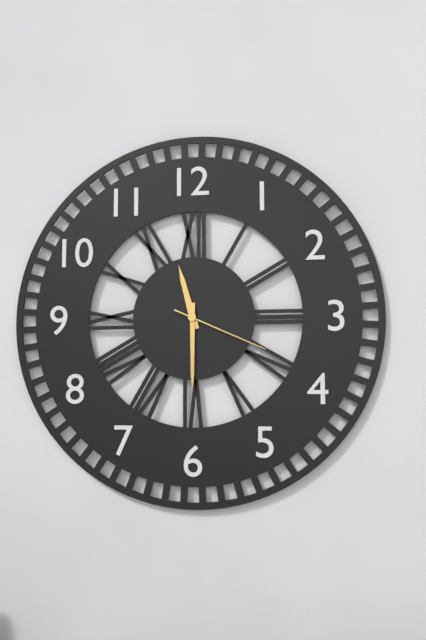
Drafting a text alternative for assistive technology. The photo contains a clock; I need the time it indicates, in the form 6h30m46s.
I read 11h30m19s
